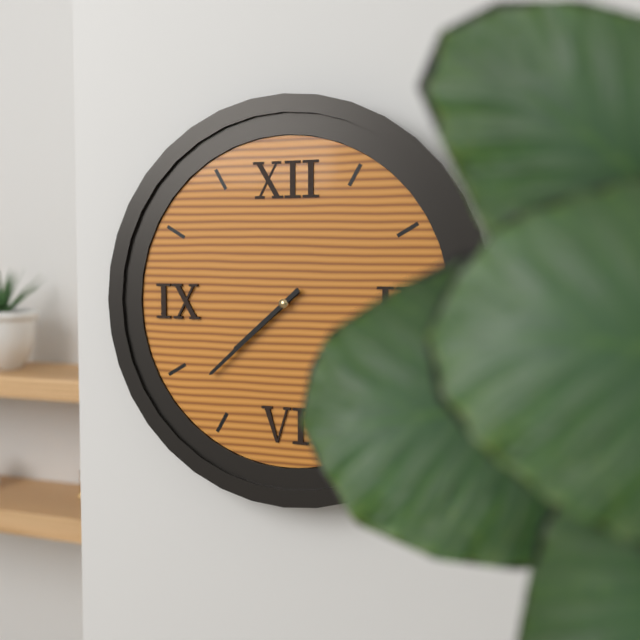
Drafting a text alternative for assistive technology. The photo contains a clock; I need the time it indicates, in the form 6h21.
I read 7h38
